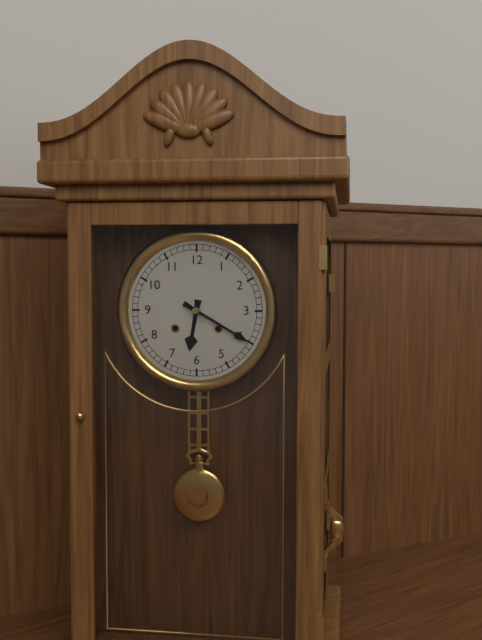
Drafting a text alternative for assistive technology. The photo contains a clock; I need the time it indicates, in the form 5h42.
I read 6h20
